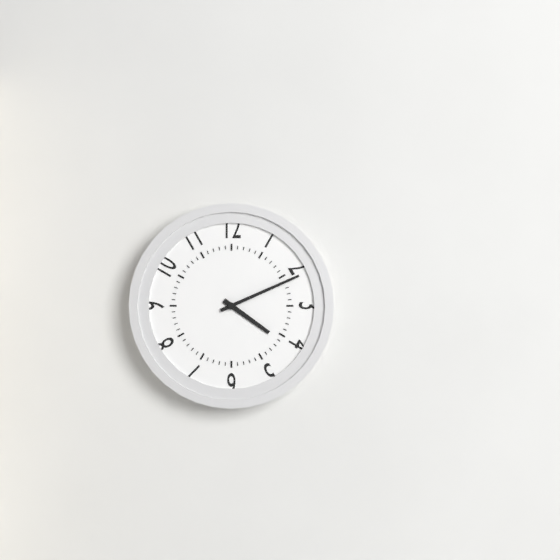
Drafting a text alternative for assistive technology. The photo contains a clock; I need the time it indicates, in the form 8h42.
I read 4h11
